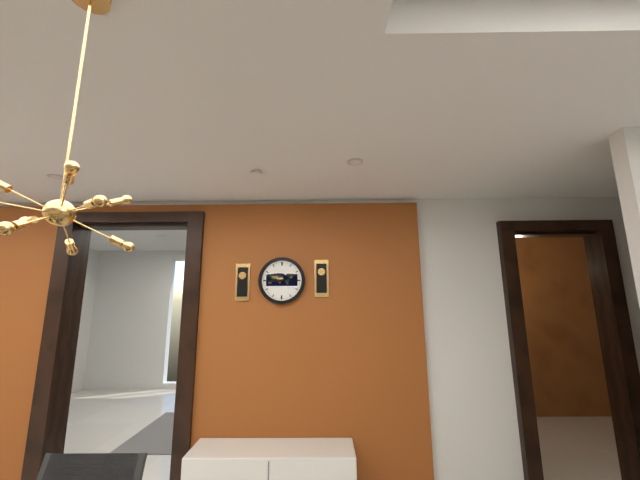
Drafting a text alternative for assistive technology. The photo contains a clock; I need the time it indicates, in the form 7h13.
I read 8h44
